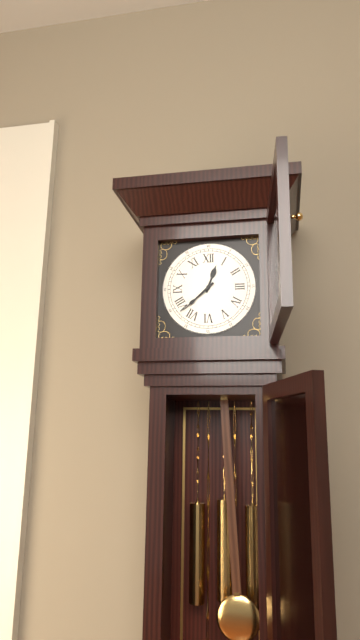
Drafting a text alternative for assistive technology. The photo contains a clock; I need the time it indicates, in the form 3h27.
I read 12h38
